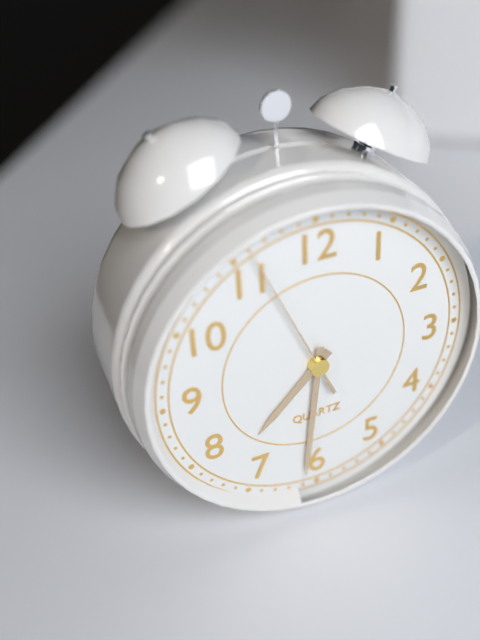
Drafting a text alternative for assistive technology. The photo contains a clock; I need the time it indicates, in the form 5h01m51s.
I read 7h31m56s
